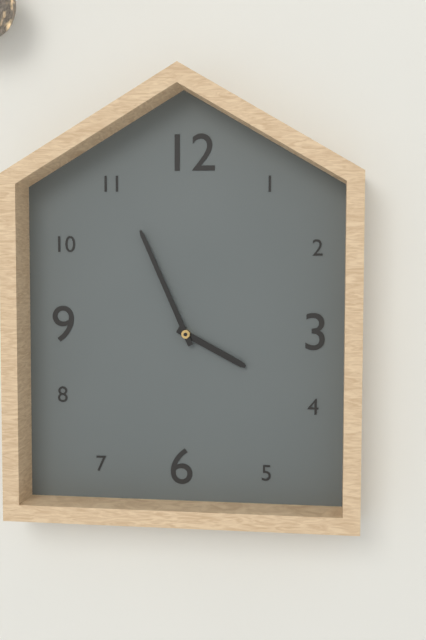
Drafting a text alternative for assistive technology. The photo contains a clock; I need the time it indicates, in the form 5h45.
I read 3h56
